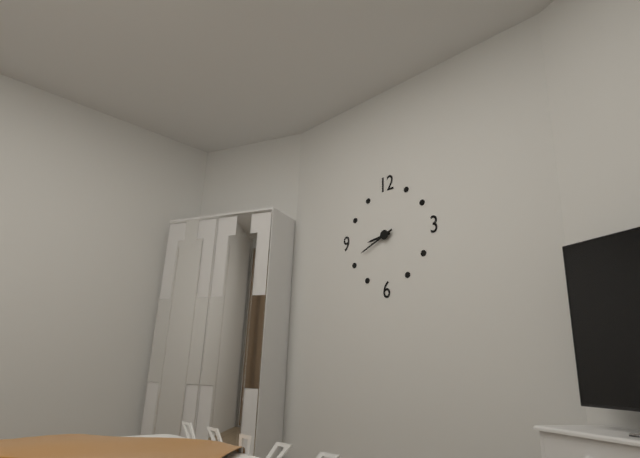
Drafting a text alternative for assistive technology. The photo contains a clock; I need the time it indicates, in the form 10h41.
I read 8h41
